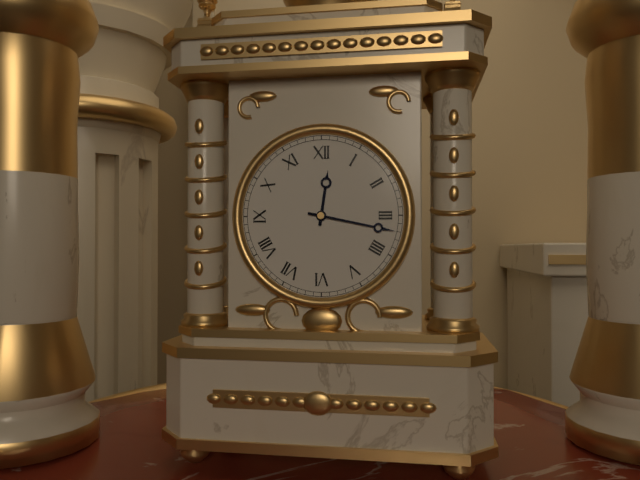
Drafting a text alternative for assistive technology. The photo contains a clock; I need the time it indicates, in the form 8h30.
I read 12h17
